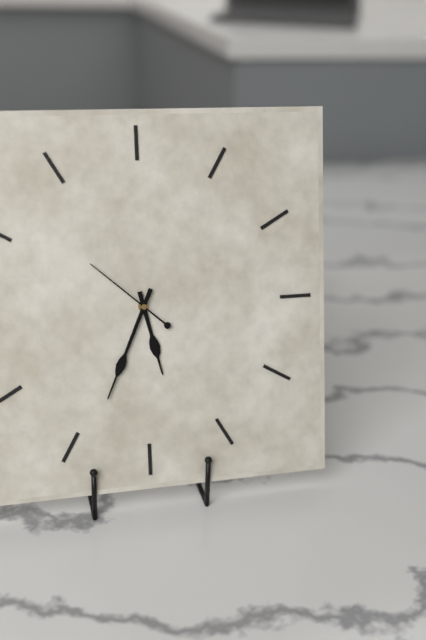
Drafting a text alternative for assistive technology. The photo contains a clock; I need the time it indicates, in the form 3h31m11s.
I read 5h34m52s
